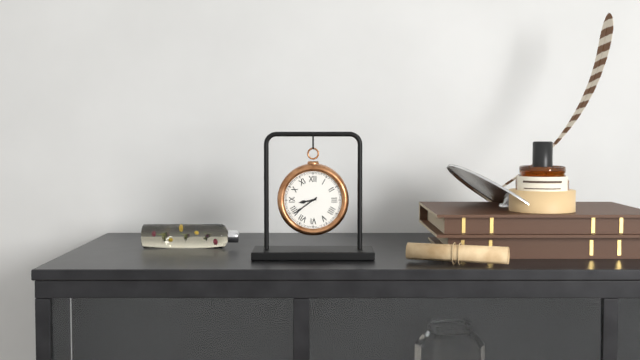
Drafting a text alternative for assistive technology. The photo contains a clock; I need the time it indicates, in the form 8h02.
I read 8h39
